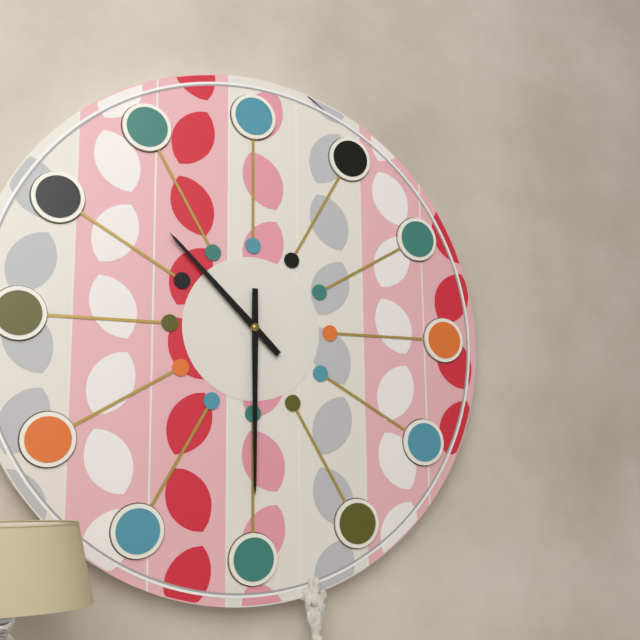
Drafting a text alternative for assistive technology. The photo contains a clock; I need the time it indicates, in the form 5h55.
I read 10h30
